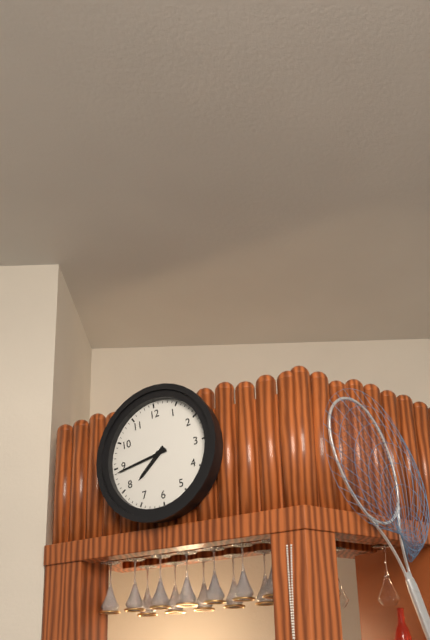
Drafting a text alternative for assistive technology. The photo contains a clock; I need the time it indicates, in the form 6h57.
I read 7h44
